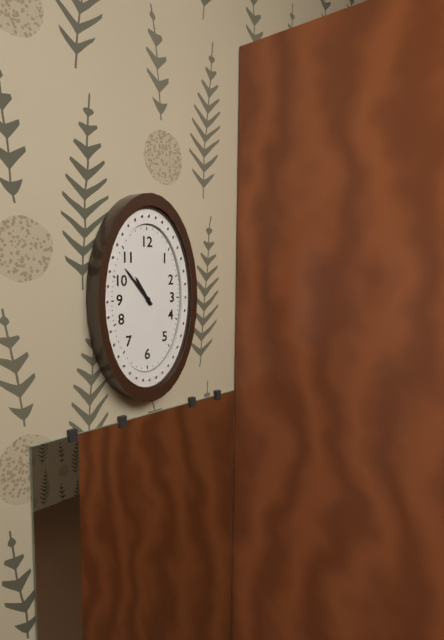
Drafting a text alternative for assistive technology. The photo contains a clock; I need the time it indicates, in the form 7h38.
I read 10h53
